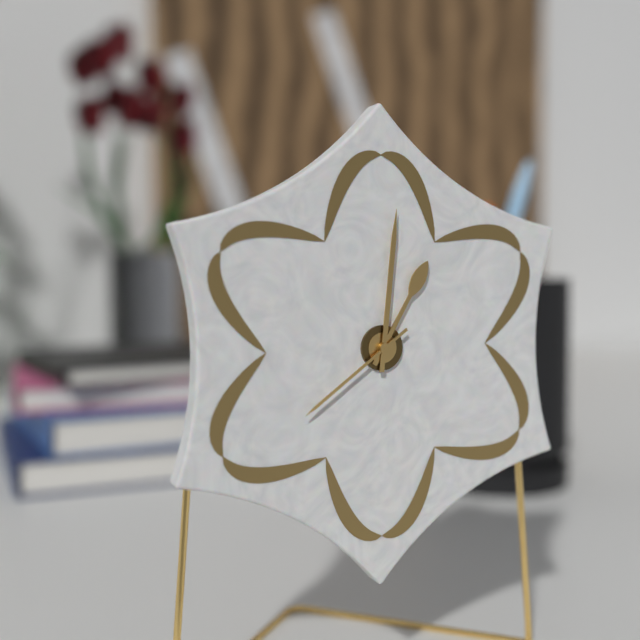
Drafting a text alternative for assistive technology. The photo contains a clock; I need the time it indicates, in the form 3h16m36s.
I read 1h01m39s
